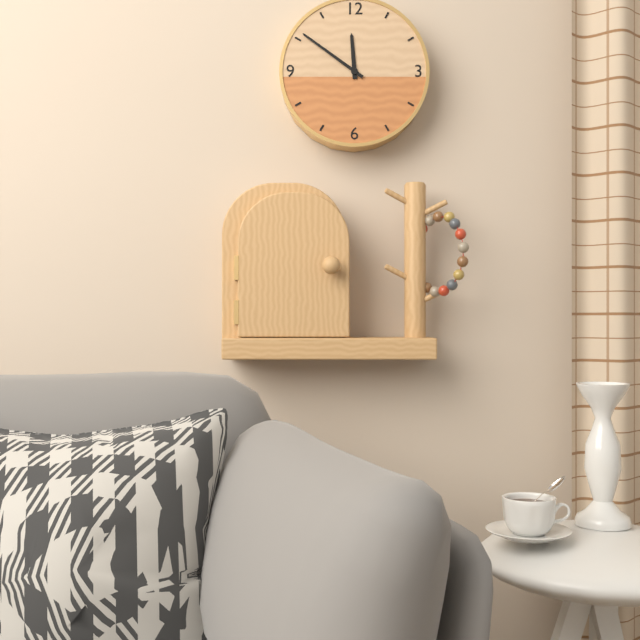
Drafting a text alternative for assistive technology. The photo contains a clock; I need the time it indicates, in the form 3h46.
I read 11h51
